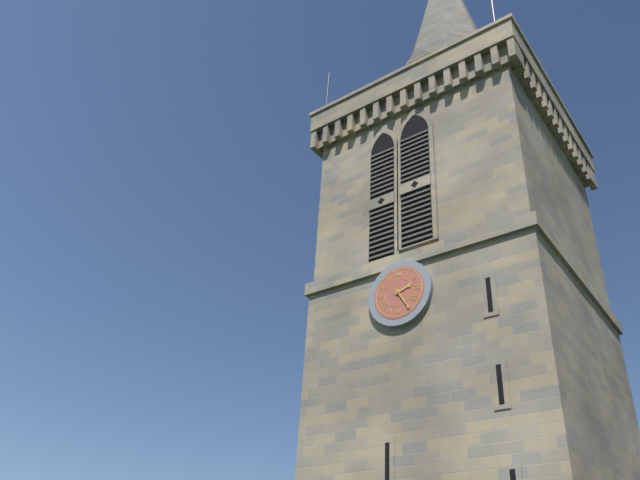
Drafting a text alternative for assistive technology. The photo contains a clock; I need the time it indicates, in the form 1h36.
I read 2h25
